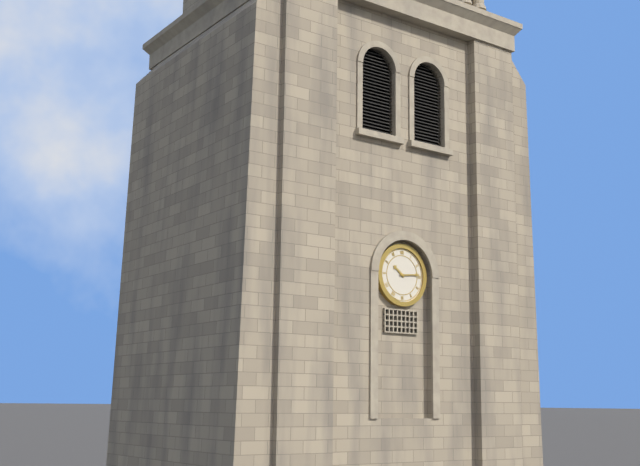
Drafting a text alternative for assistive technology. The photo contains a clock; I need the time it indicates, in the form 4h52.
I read 10h14
